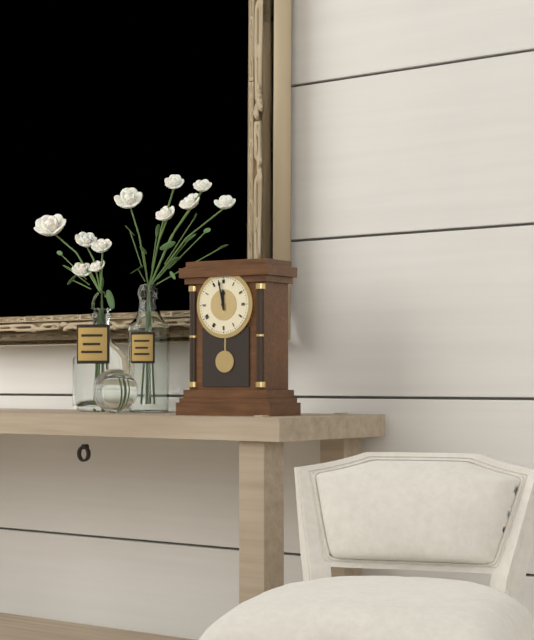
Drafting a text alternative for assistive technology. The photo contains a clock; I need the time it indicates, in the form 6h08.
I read 11h58
